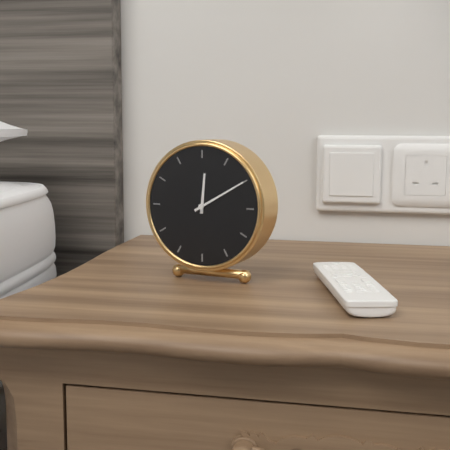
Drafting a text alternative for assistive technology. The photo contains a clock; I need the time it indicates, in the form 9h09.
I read 12h10
